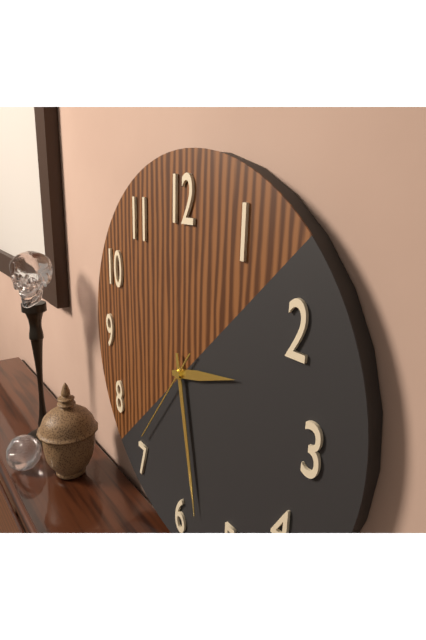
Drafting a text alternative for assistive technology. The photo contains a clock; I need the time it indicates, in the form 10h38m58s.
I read 2h28m36s
